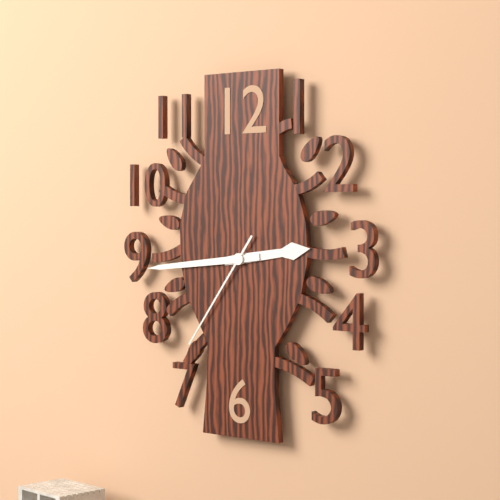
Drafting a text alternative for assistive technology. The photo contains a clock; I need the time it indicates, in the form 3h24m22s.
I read 2h44m36s
